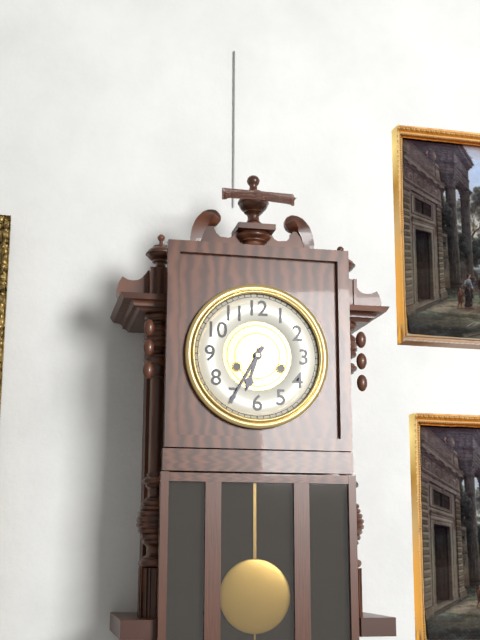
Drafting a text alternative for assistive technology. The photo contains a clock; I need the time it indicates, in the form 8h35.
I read 6h35
